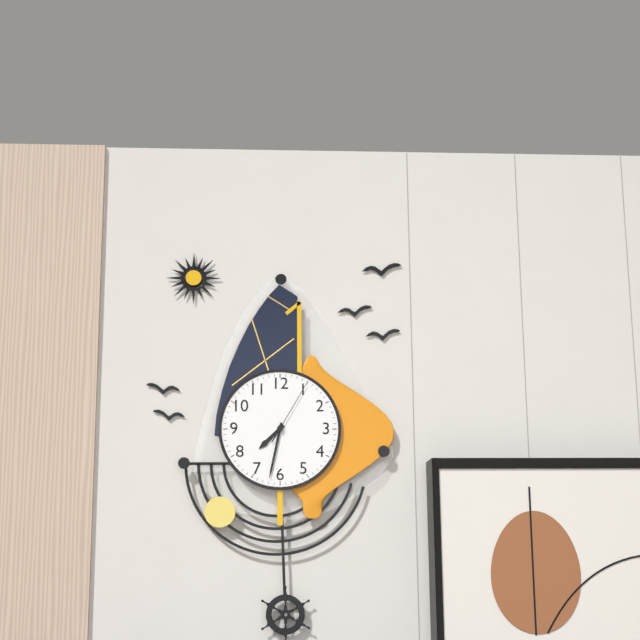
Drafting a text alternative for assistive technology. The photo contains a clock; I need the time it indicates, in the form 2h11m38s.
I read 7h32m05s
